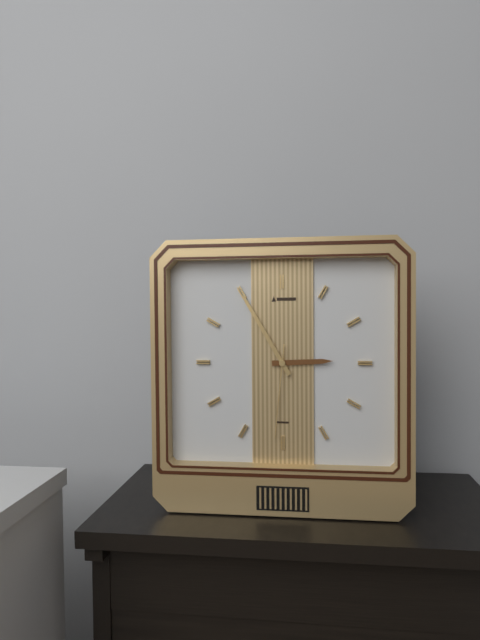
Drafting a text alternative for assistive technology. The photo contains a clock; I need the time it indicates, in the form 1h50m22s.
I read 2h55m31s
